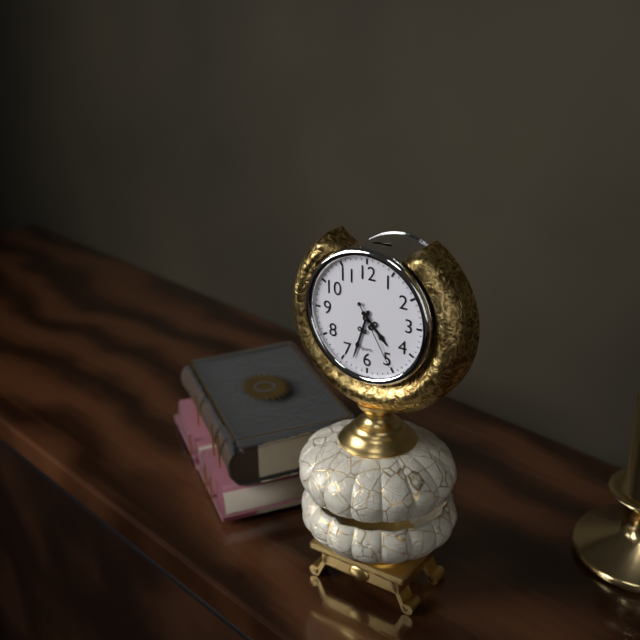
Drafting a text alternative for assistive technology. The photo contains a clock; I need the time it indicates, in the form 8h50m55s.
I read 4h33m25s
